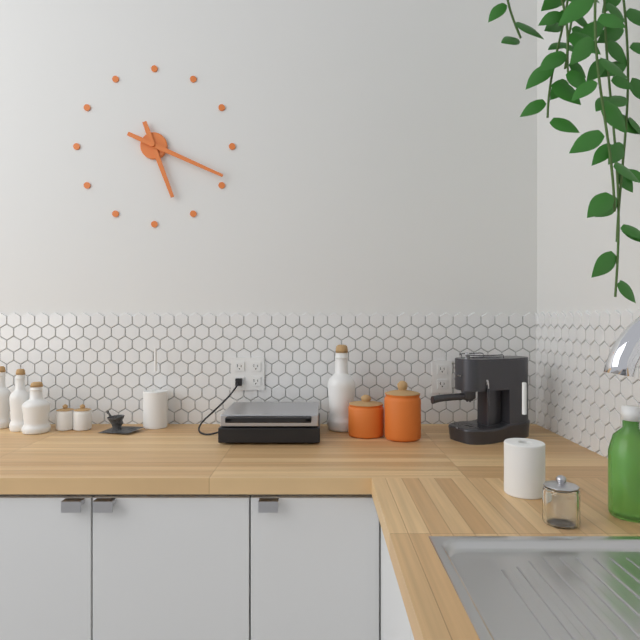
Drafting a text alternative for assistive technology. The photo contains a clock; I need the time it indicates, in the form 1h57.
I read 5h19
